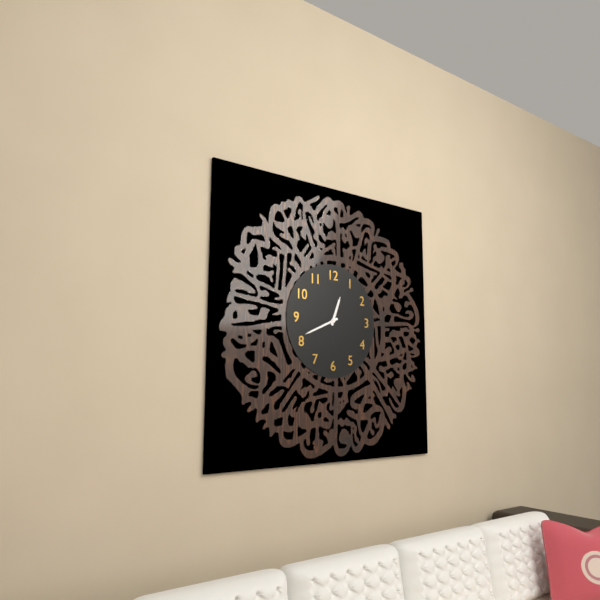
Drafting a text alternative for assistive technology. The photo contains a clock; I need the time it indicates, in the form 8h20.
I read 12h41
